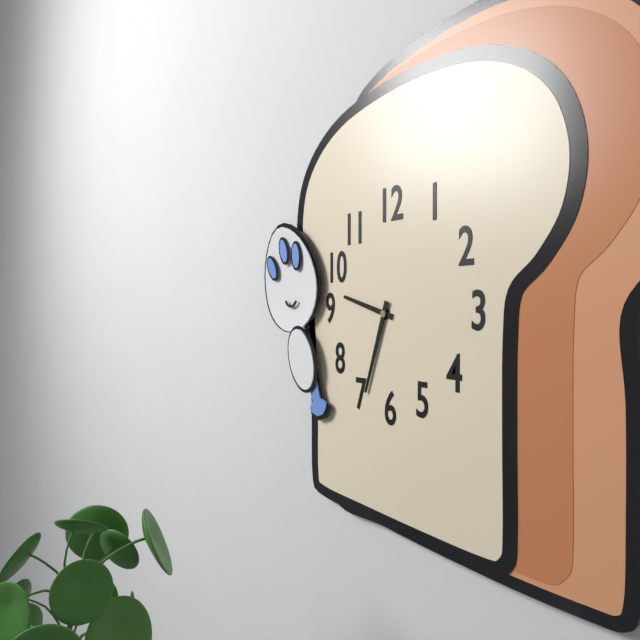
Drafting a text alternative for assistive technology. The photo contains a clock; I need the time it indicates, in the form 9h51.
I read 9h33
